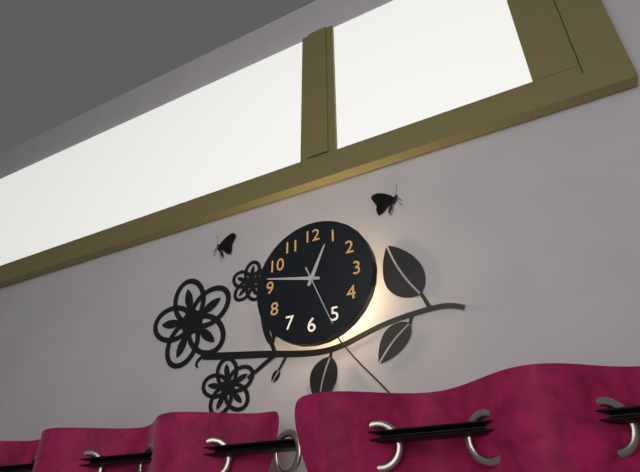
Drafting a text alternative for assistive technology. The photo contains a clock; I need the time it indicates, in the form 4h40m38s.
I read 12h47m26s
